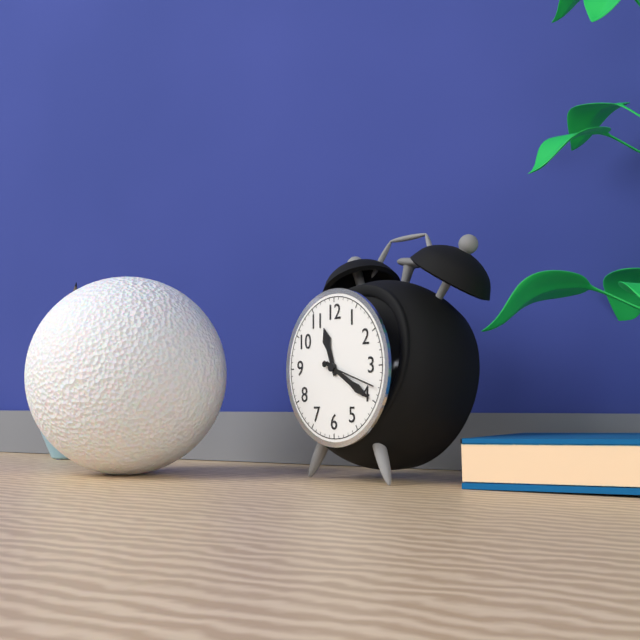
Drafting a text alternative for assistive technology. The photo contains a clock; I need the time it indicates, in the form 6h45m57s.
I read 11h20m18s
